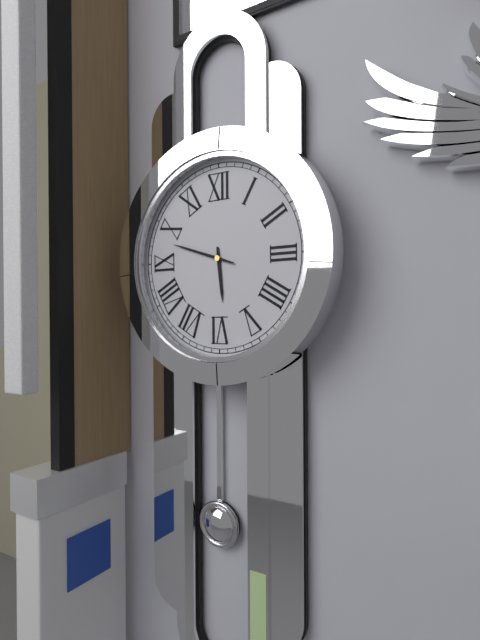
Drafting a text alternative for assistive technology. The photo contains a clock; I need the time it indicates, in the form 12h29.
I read 5h48
